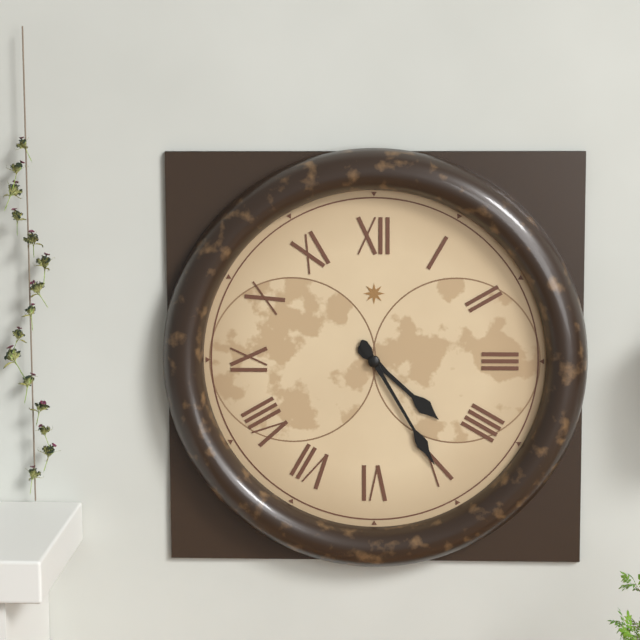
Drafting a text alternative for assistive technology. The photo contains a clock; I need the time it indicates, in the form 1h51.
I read 4h25
